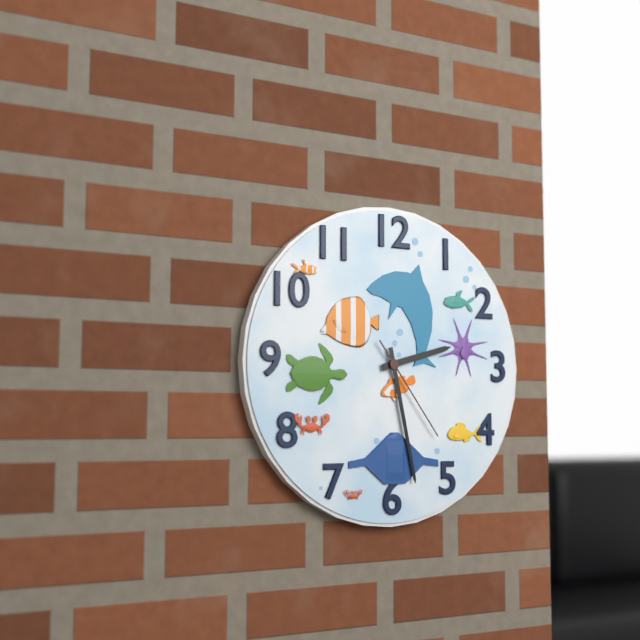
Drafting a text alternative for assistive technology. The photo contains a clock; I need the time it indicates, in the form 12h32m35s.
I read 2h28m24s
